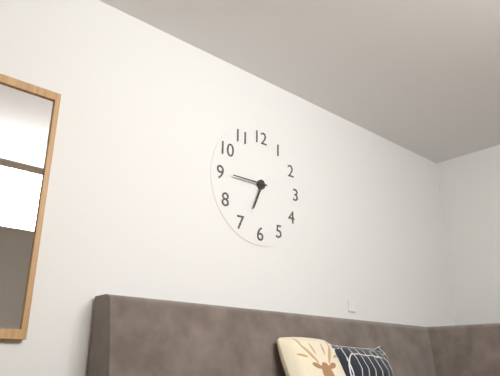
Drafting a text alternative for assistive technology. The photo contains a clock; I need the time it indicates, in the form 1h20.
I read 6h45
